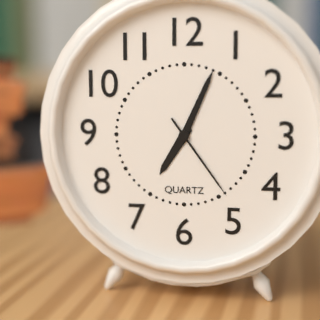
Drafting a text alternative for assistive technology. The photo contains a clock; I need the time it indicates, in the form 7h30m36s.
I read 7h04m24s
